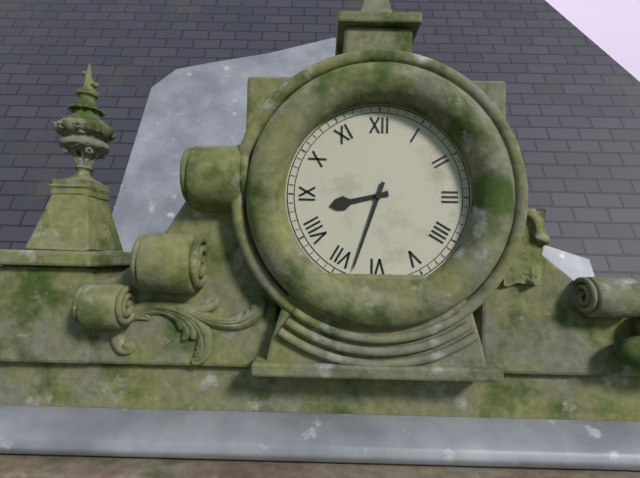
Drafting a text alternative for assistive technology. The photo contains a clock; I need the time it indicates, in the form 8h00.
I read 8h33
